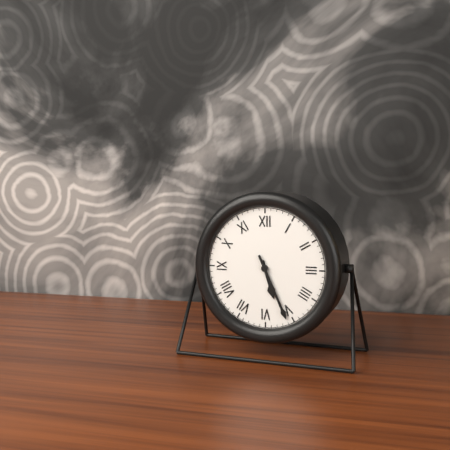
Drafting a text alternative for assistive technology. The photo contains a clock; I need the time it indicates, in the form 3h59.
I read 5h26
